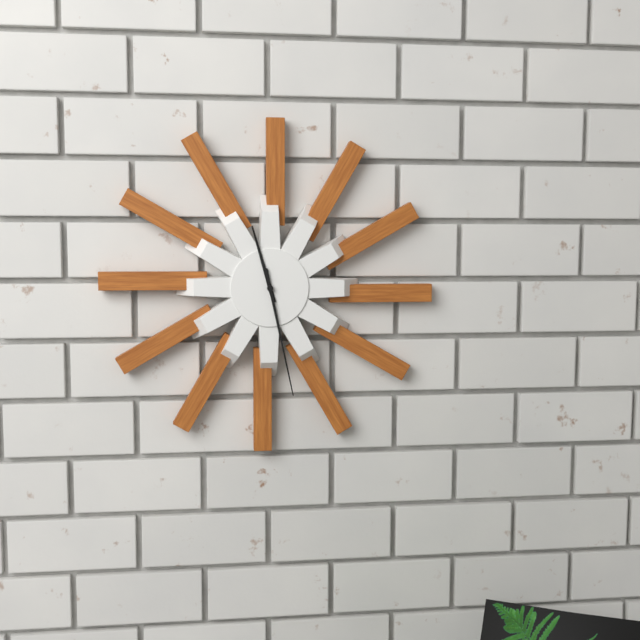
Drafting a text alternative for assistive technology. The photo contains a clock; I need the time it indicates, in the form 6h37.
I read 11h28
